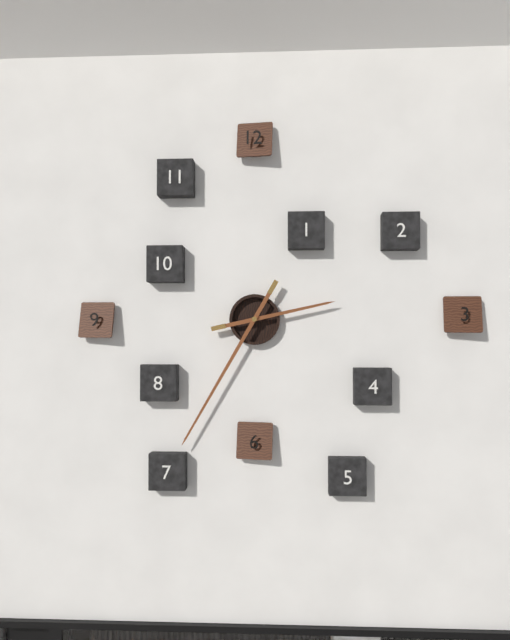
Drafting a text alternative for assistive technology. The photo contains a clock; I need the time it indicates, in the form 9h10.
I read 2h35
